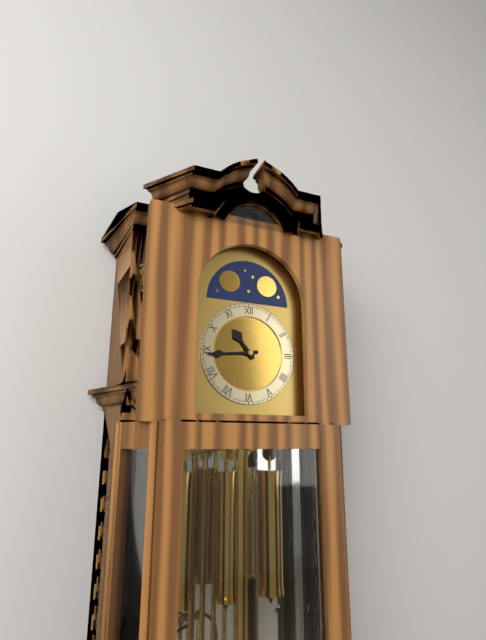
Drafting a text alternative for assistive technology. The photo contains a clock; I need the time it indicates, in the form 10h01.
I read 10h44
